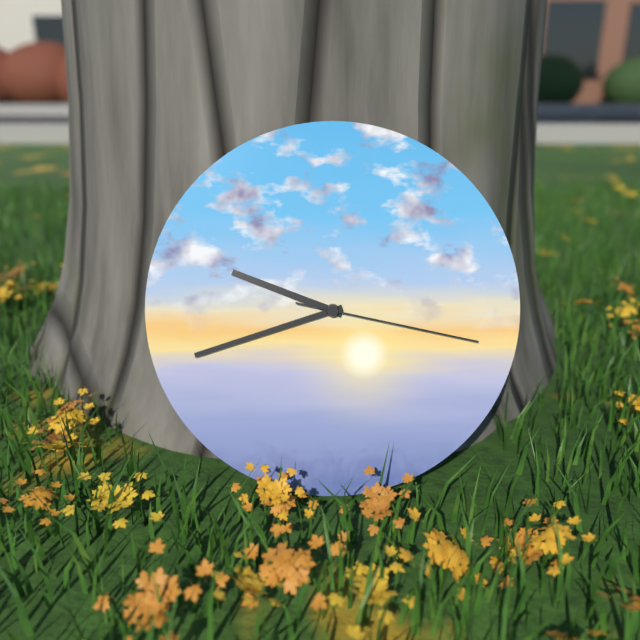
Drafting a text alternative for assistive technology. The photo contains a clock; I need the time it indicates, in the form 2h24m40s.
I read 9h42m17s
